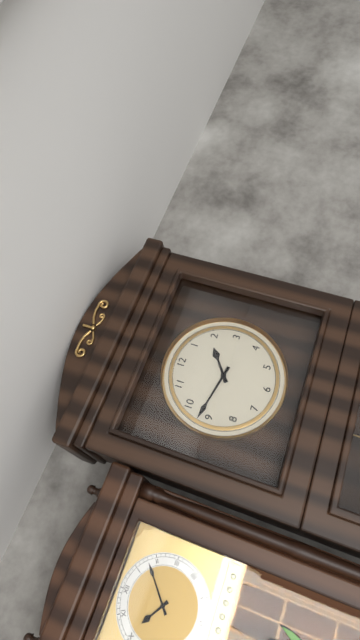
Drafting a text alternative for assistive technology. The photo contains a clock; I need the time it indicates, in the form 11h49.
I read 1h47
